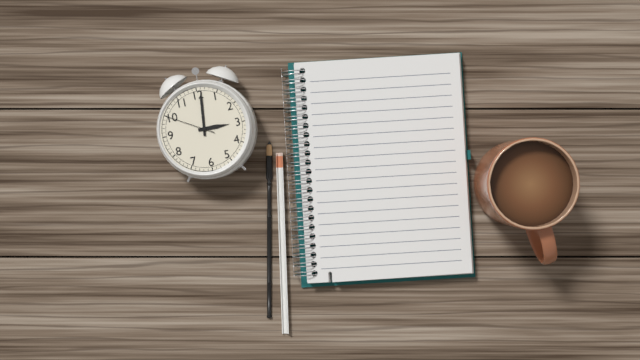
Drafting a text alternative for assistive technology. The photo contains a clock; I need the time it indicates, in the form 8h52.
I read 3h01
